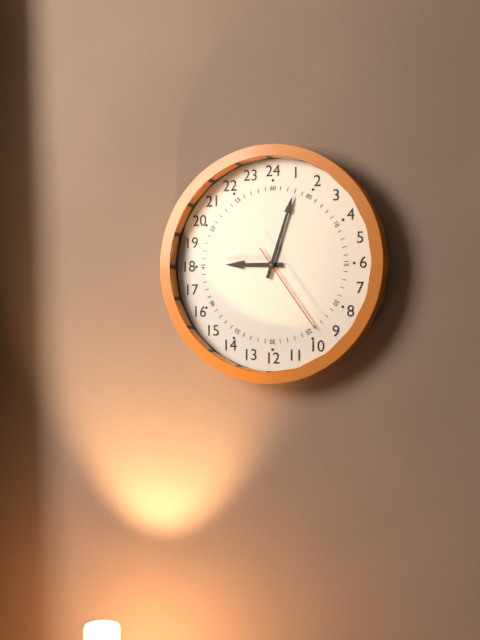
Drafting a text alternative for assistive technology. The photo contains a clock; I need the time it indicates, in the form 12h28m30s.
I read 9h03m24s
